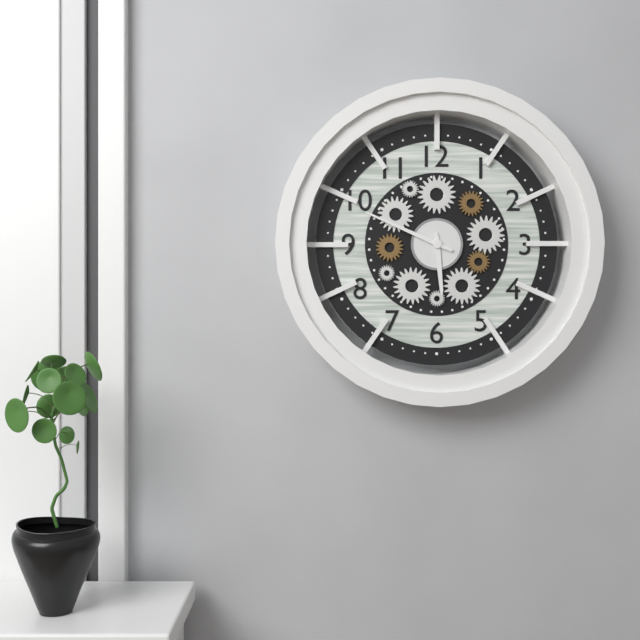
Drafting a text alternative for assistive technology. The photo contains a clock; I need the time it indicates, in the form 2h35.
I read 5h49
